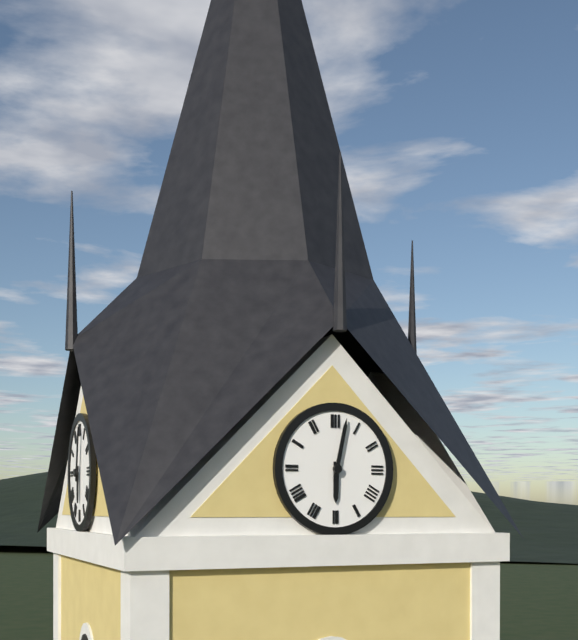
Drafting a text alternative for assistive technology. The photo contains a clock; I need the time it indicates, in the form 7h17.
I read 6h02
